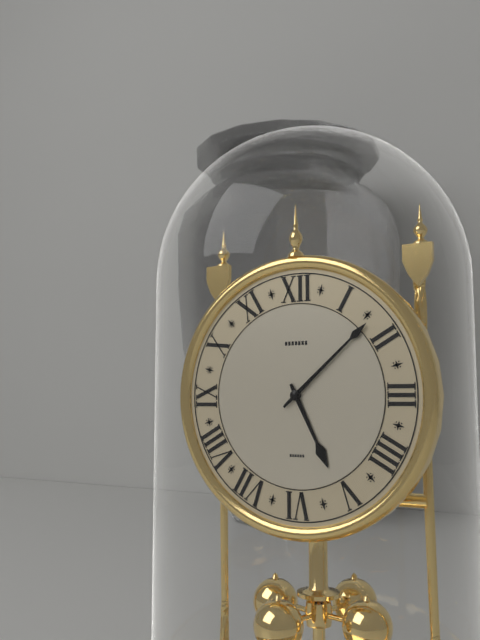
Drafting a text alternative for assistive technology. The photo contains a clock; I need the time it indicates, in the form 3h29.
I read 5h08
